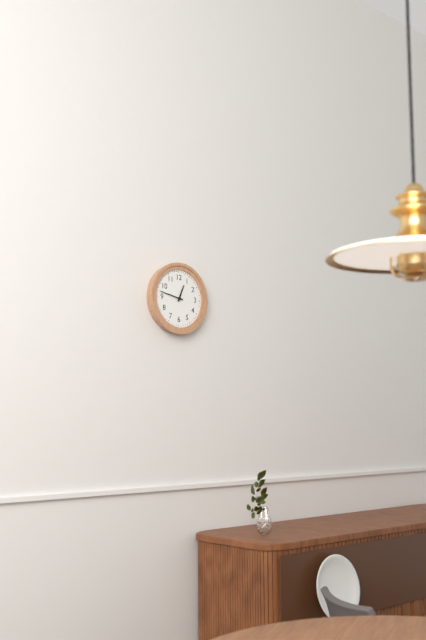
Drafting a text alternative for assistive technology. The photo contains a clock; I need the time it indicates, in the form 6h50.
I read 12h47
